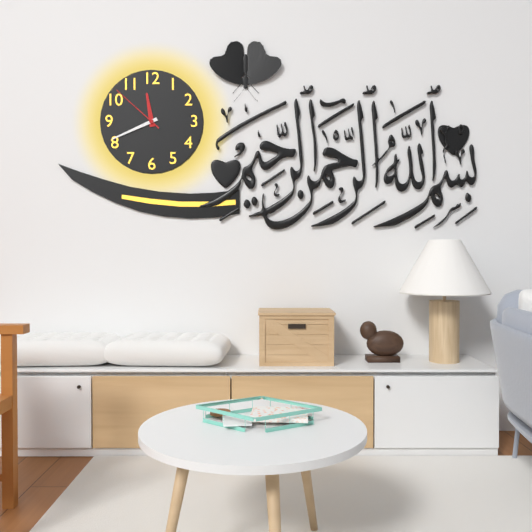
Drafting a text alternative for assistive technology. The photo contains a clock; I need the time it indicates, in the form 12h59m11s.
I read 11h41m52s
